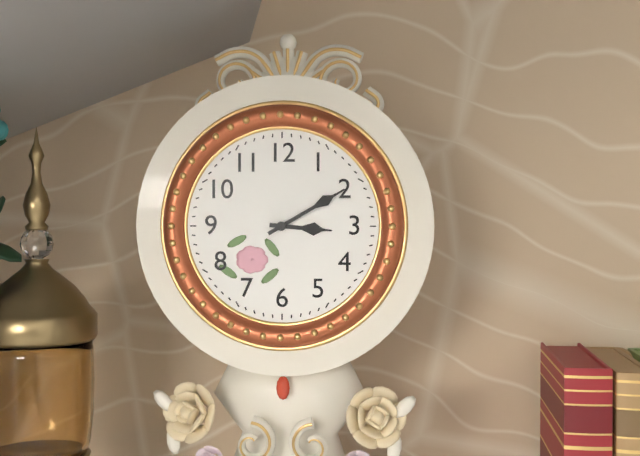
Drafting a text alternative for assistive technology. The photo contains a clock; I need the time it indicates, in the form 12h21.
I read 3h10
